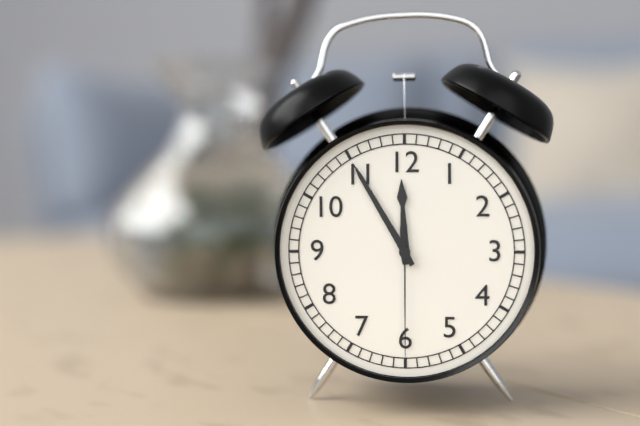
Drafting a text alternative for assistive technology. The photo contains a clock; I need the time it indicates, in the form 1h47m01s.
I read 11h55m30s
